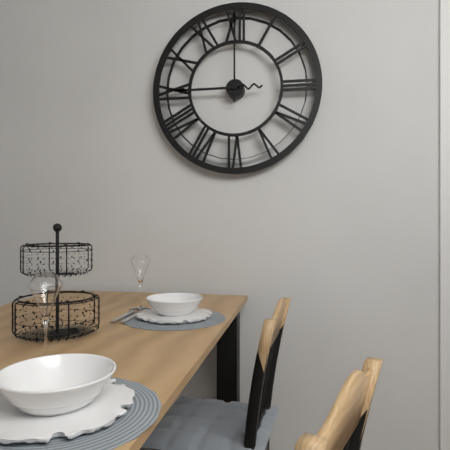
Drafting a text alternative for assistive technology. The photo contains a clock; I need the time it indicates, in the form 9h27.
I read 9h00
